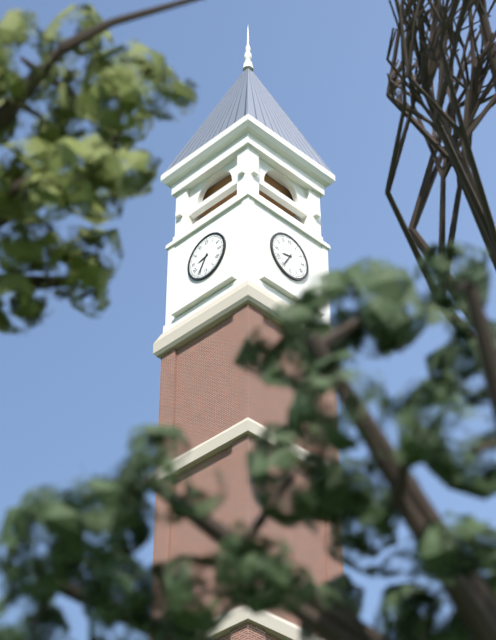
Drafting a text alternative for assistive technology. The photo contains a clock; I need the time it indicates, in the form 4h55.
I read 8h35
